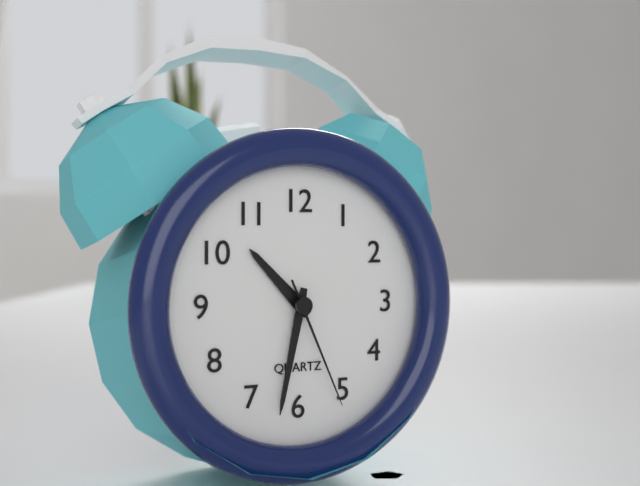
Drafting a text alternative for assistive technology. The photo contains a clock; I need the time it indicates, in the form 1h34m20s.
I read 10h32m26s
